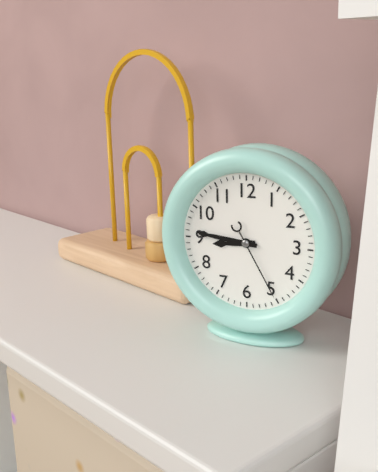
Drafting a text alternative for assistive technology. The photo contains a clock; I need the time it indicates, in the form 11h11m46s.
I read 8h46m25s
